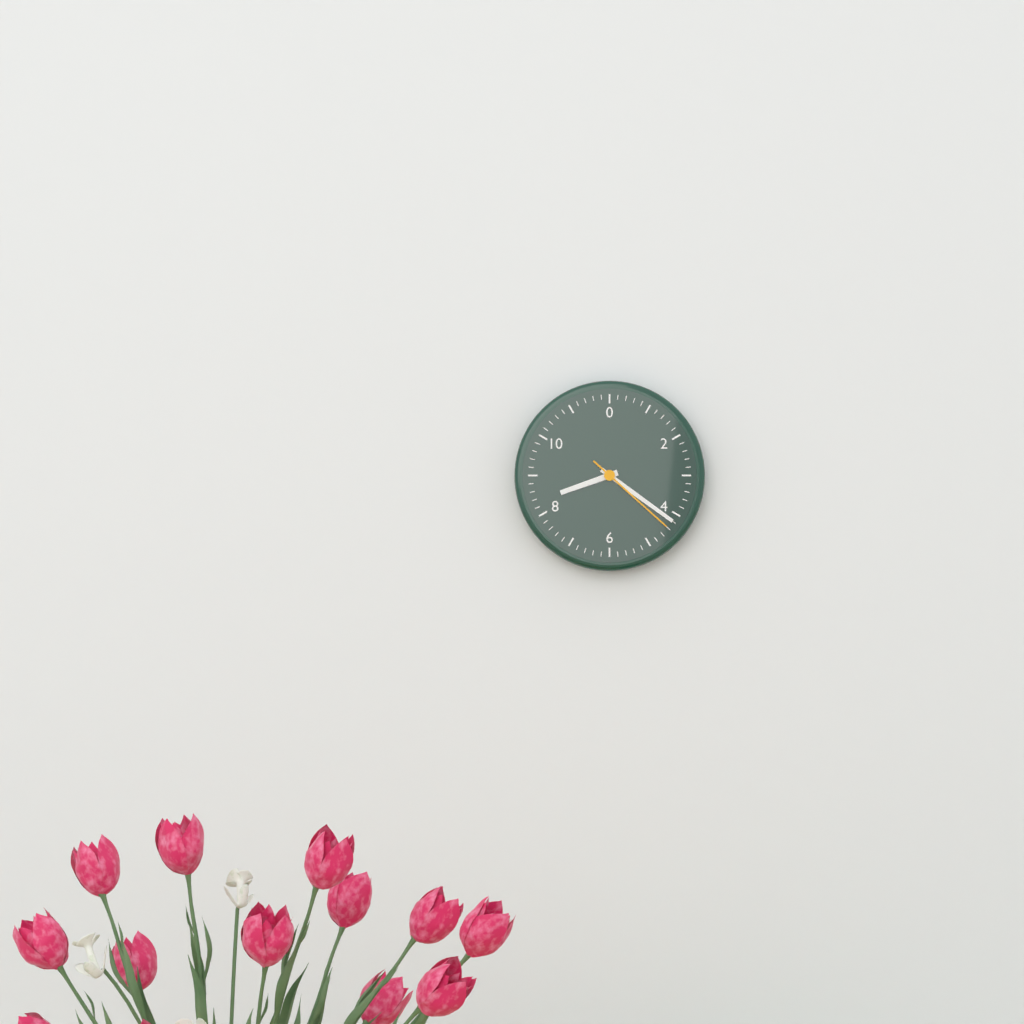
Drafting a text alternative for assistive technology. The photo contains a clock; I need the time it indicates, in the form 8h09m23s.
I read 8h21m22s
